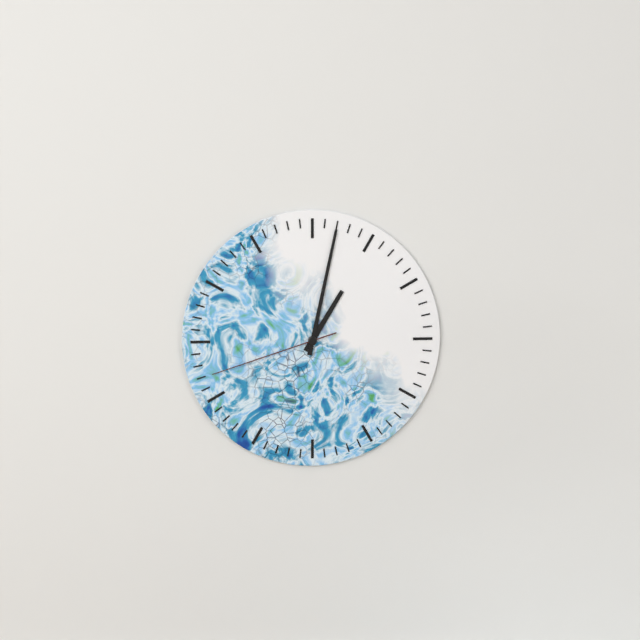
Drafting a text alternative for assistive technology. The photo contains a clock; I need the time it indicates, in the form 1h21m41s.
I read 1h02m42s
